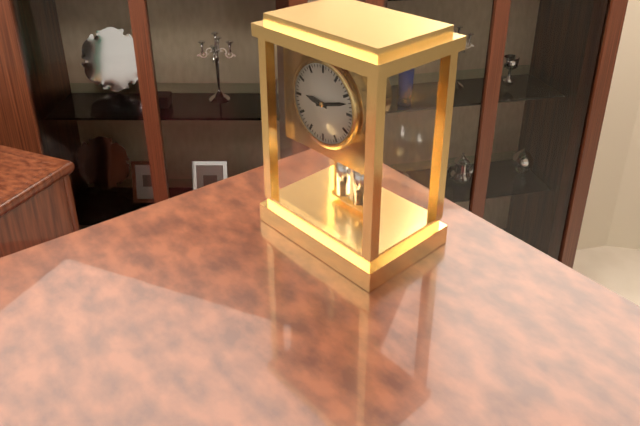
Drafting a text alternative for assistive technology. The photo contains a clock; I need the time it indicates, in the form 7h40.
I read 9h12
